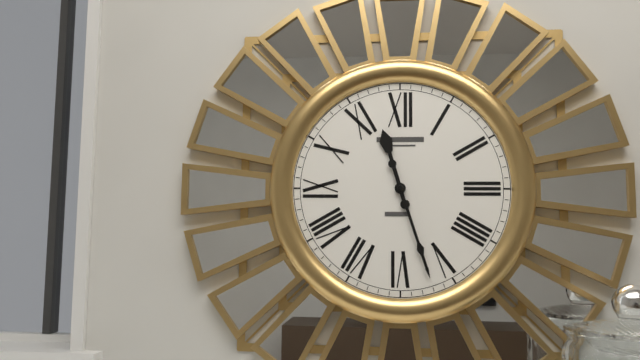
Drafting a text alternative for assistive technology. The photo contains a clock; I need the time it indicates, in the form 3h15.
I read 11h27
